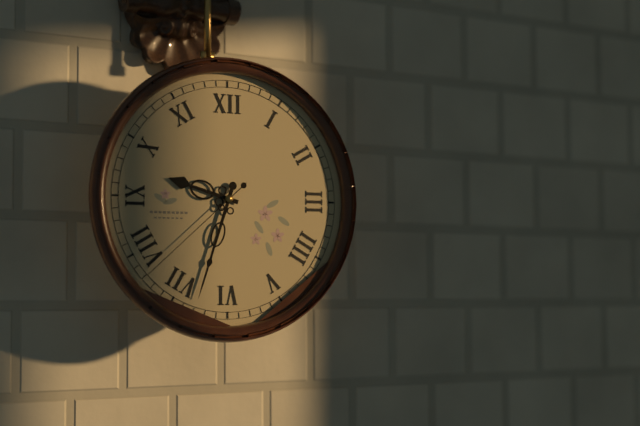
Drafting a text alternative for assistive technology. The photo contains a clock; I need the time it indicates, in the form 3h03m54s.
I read 9h33m38s
